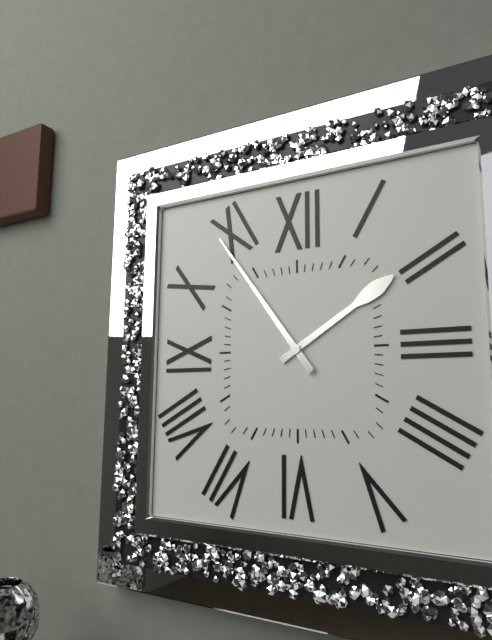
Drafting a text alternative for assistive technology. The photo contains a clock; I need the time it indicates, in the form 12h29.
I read 1h54
